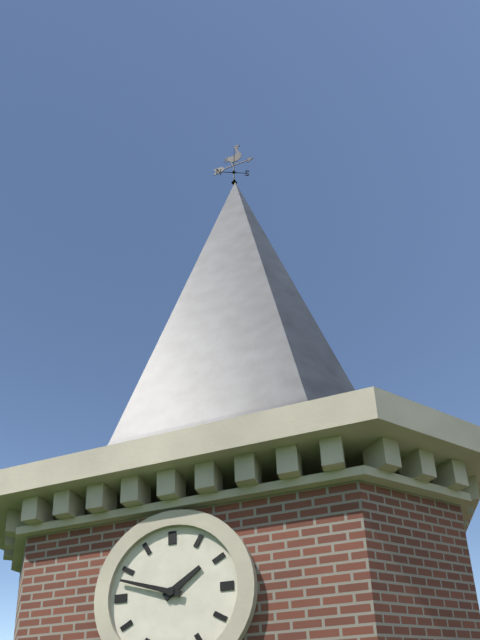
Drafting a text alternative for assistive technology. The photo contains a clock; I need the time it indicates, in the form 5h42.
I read 1h48
